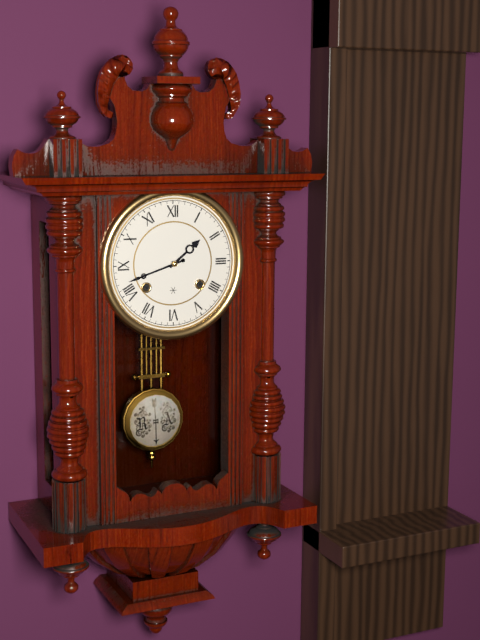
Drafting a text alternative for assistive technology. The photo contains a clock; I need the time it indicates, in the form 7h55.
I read 1h42
